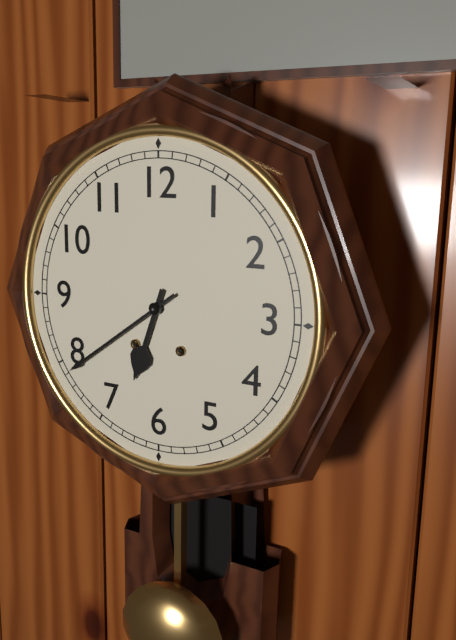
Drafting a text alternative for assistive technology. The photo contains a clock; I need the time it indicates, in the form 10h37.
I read 6h39
